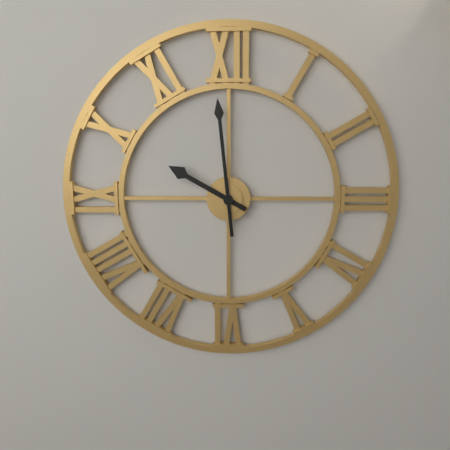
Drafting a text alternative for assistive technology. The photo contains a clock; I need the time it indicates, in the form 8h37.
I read 9h59
